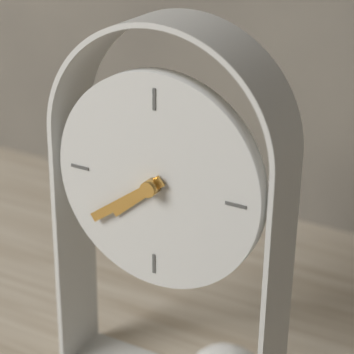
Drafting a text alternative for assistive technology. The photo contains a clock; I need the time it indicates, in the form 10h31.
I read 7h39
